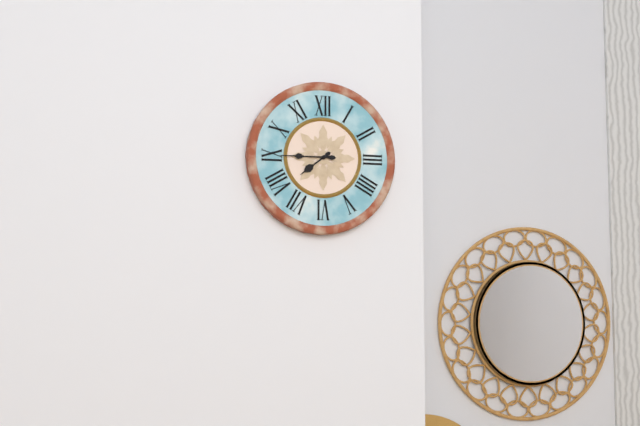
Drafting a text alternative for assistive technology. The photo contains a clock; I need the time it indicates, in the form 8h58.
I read 7h45
